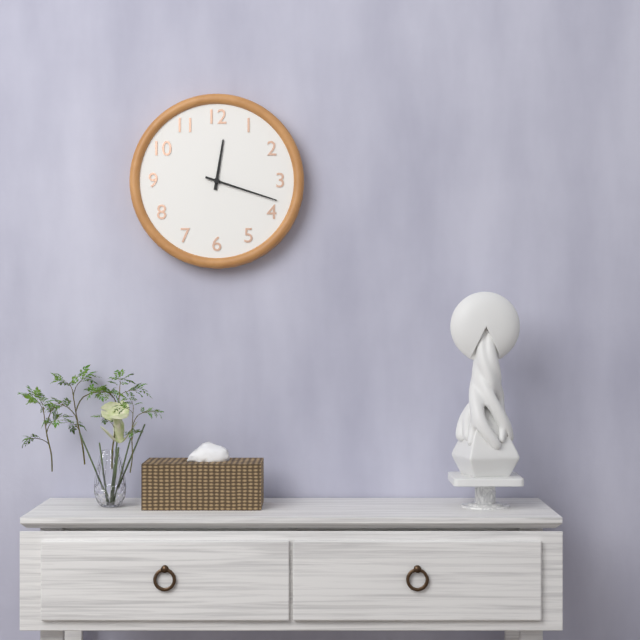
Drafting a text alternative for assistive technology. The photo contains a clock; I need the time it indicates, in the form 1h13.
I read 12h18
